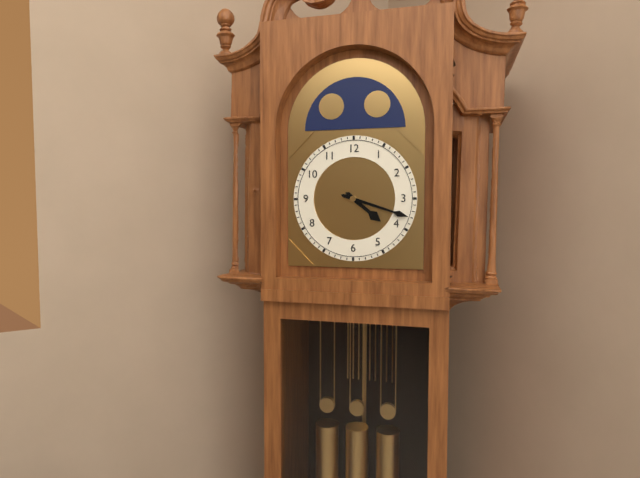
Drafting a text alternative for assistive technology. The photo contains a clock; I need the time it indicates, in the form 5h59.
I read 4h18
